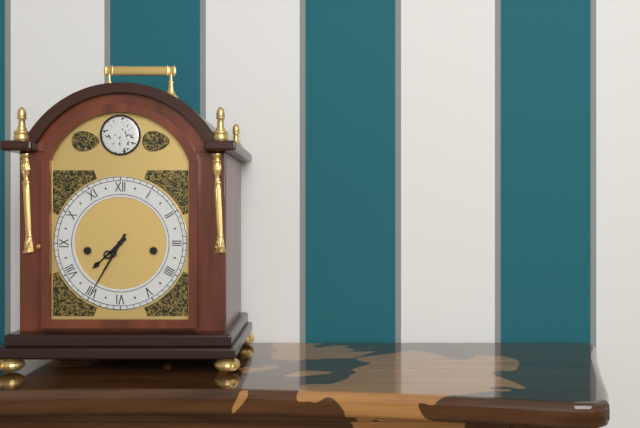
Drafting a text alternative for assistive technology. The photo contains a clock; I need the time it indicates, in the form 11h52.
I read 7h35
